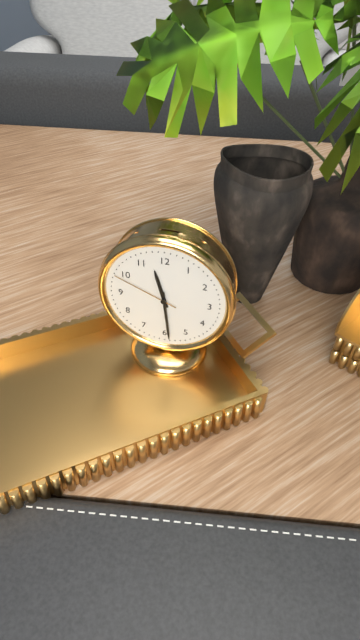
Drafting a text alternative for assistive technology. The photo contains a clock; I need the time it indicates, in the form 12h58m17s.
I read 11h29m49s
